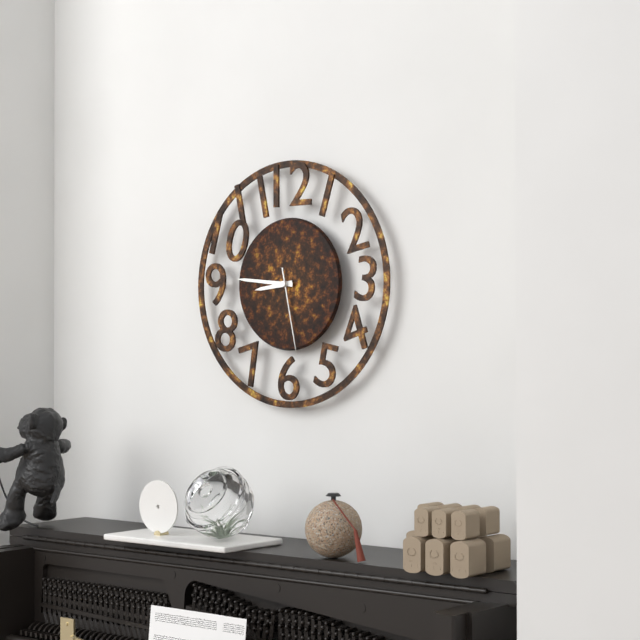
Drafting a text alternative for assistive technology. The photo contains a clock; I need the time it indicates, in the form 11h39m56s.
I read 8h46m28s
